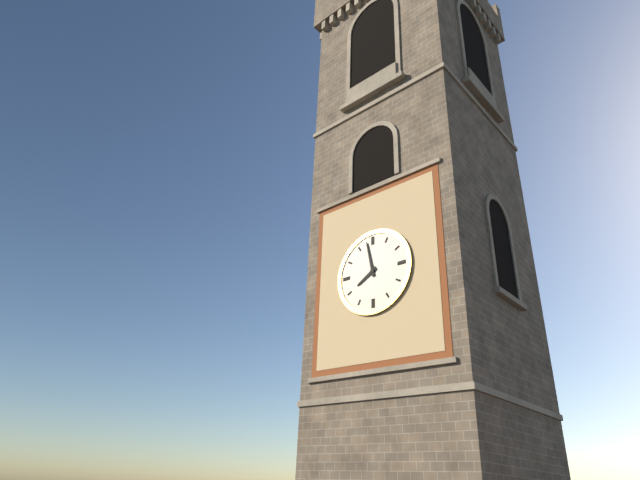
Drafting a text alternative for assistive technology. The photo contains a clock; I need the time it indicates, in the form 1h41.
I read 7h58
